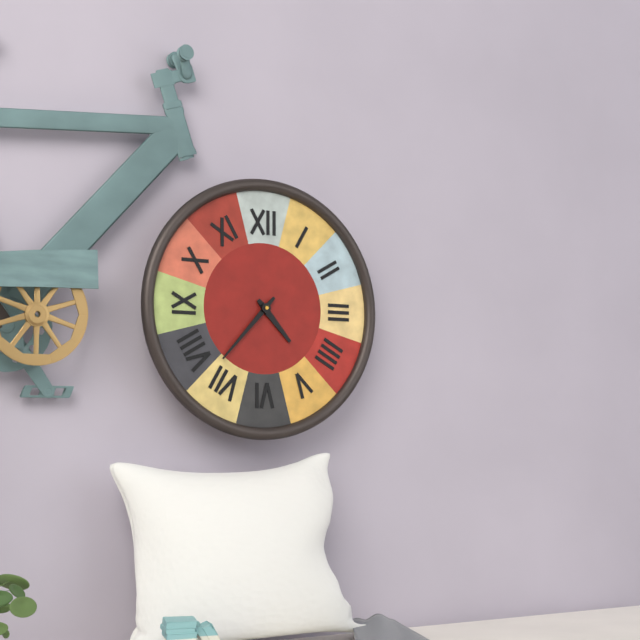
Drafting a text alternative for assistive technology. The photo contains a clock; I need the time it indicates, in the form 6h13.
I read 4h37
